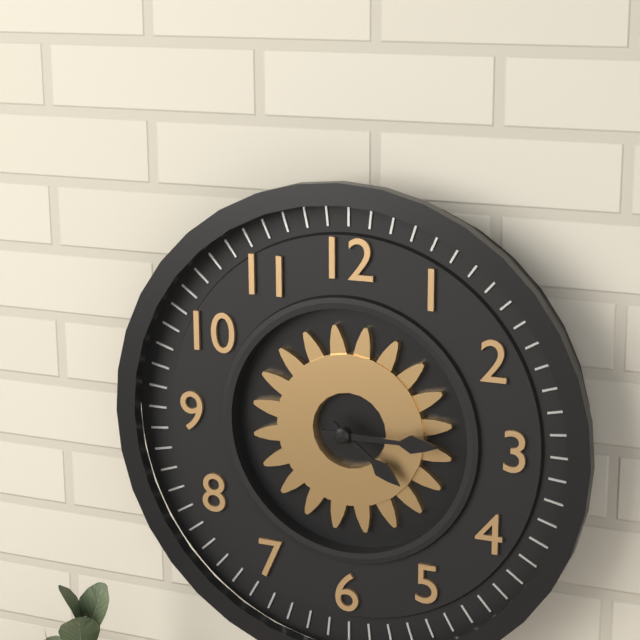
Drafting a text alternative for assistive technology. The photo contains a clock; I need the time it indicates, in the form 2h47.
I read 4h15
